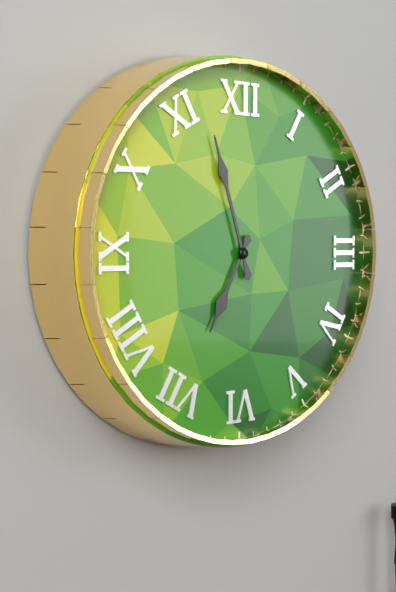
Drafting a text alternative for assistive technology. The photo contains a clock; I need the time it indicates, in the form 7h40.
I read 6h57
